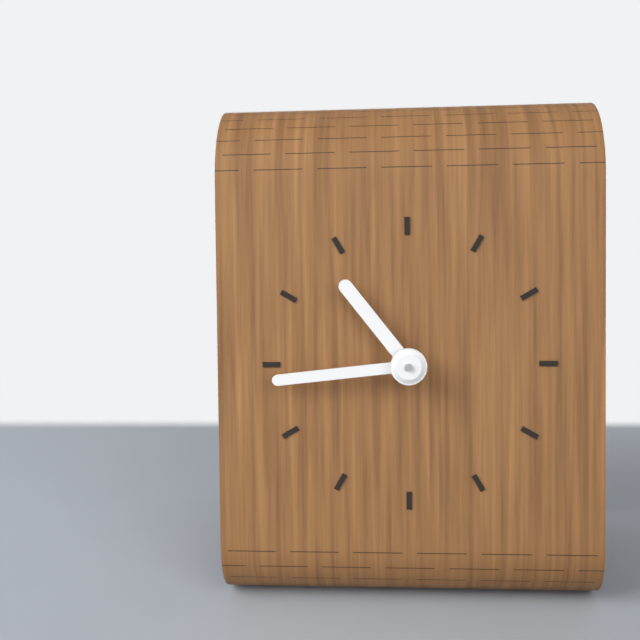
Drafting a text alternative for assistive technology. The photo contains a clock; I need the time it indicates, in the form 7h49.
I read 10h44
